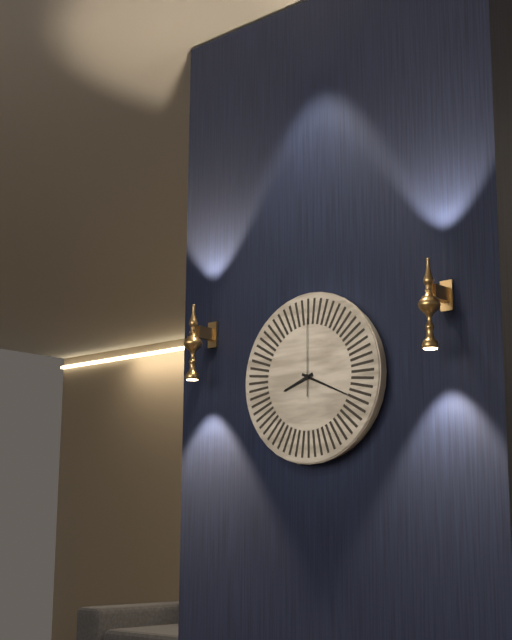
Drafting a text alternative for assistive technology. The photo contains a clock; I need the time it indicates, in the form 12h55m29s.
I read 8h19m00s
